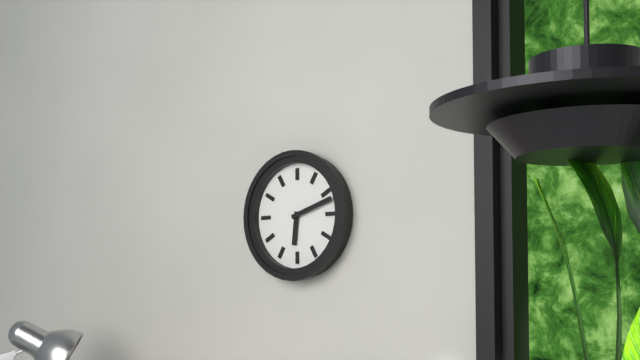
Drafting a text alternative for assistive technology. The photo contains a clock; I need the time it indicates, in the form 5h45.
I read 6h12
